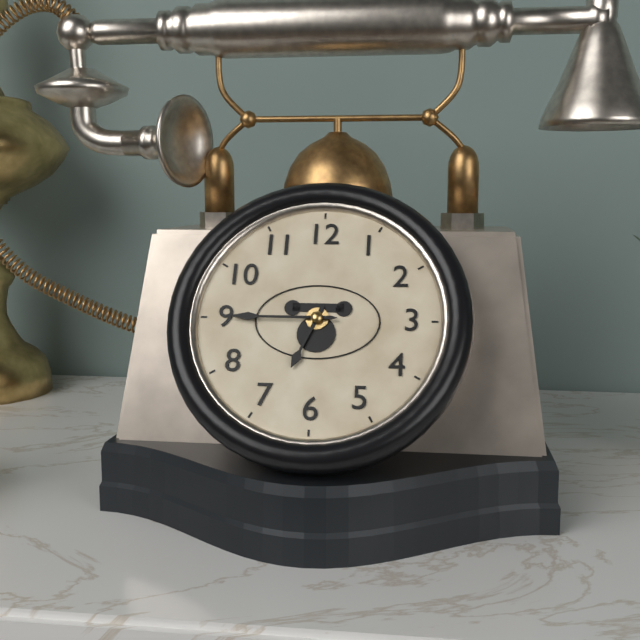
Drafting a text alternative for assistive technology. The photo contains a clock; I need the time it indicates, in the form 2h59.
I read 6h45
